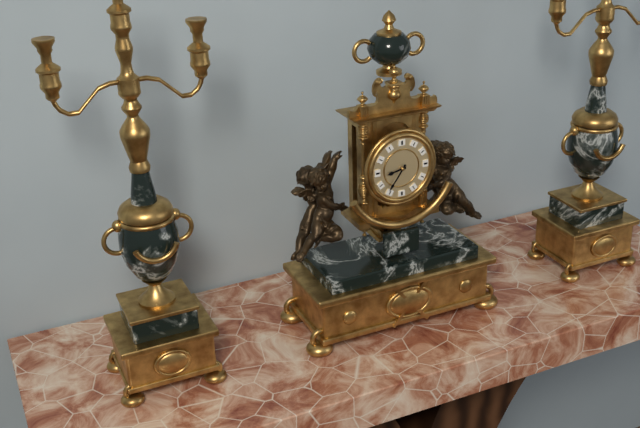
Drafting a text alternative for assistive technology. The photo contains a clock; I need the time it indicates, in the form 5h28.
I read 8h36
